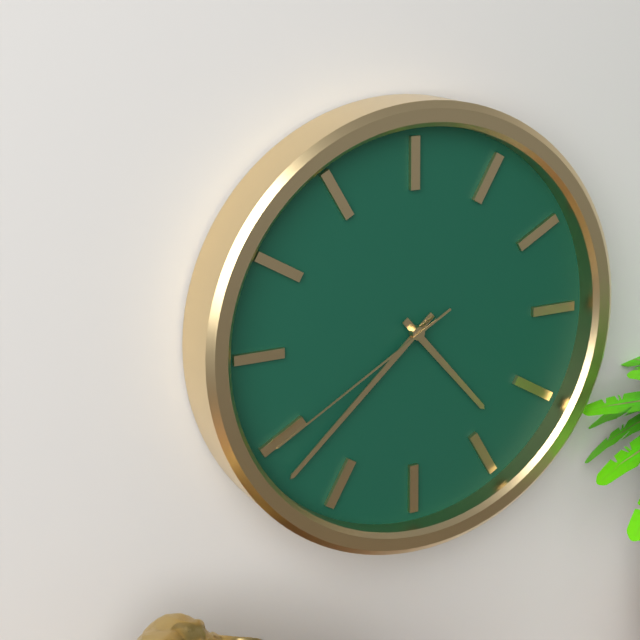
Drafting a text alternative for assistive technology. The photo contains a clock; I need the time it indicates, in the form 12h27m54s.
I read 4h38m40s
